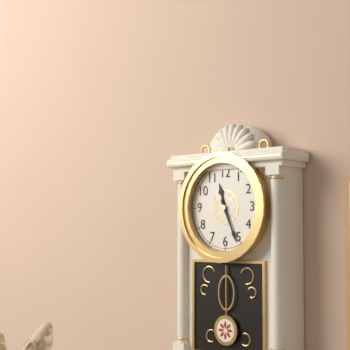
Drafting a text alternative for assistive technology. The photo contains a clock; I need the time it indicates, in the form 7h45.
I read 11h26
